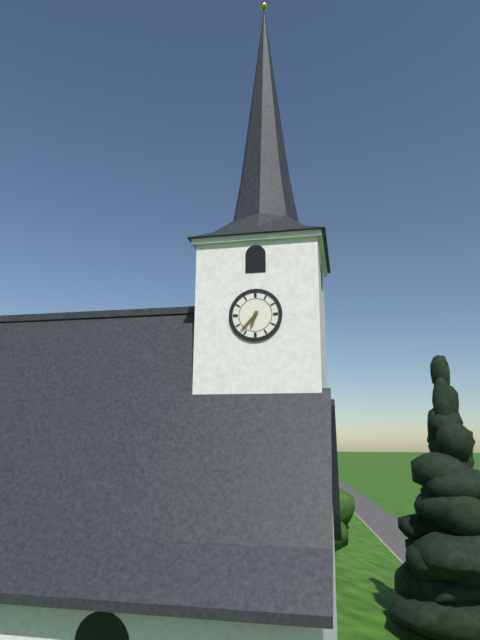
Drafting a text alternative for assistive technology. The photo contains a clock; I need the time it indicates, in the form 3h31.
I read 6h37
